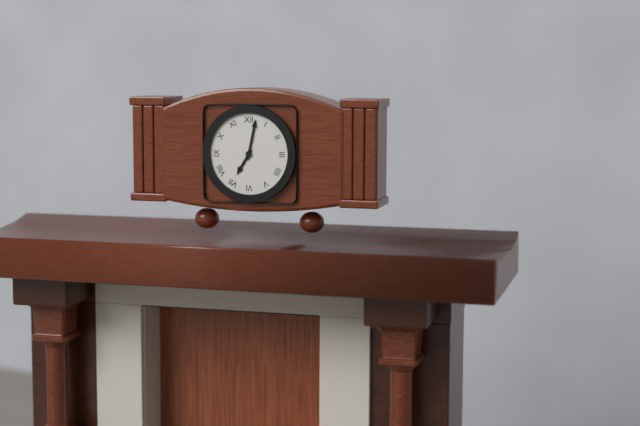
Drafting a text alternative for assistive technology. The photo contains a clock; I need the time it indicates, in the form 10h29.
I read 7h02
